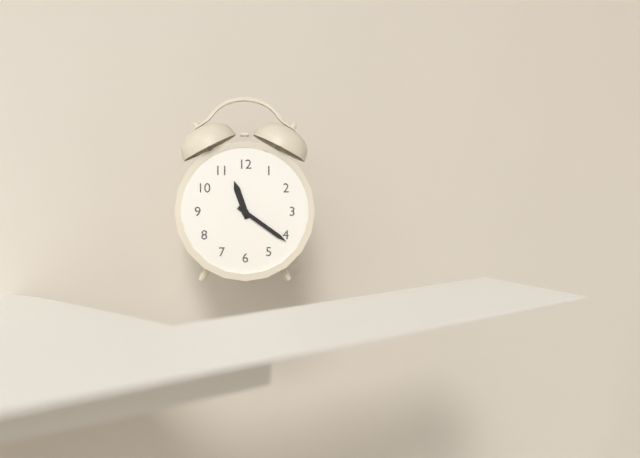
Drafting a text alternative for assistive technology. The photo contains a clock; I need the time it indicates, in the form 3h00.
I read 11h21
